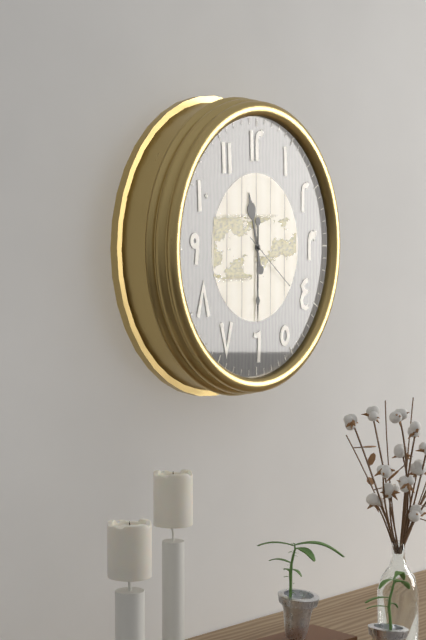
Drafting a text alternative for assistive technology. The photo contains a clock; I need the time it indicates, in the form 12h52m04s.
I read 11h30m21s
